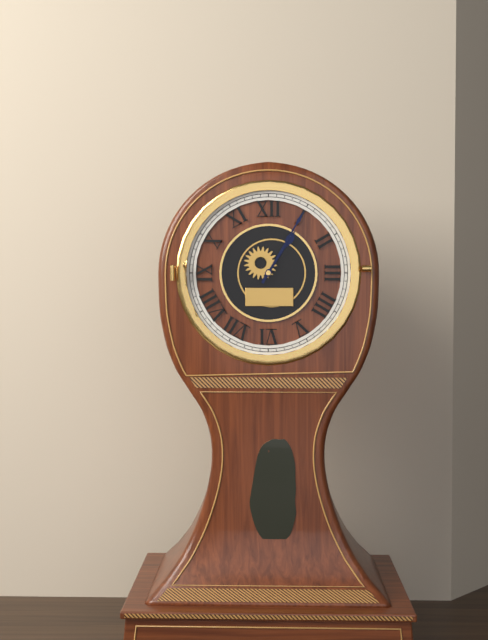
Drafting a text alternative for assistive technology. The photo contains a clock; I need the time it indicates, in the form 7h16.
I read 1h05
